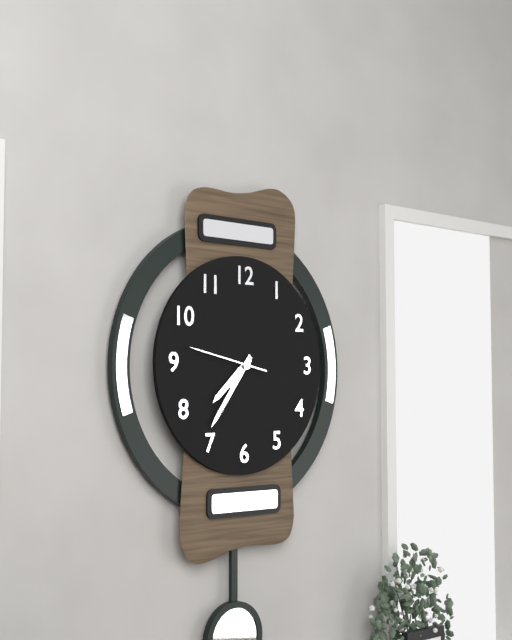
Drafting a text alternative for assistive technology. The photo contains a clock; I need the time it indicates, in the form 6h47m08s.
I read 7h36m47s
